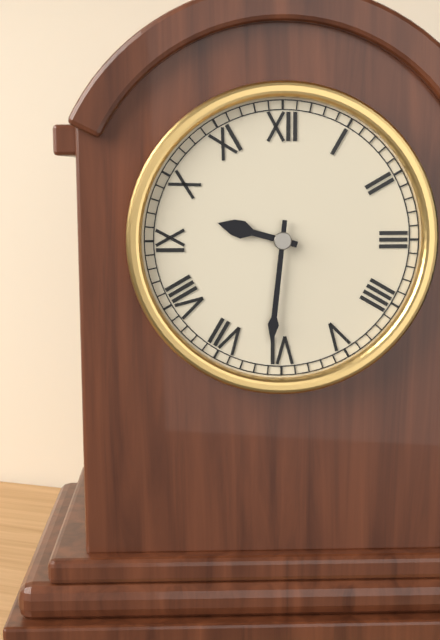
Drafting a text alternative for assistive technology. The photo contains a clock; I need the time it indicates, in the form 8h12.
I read 9h31
